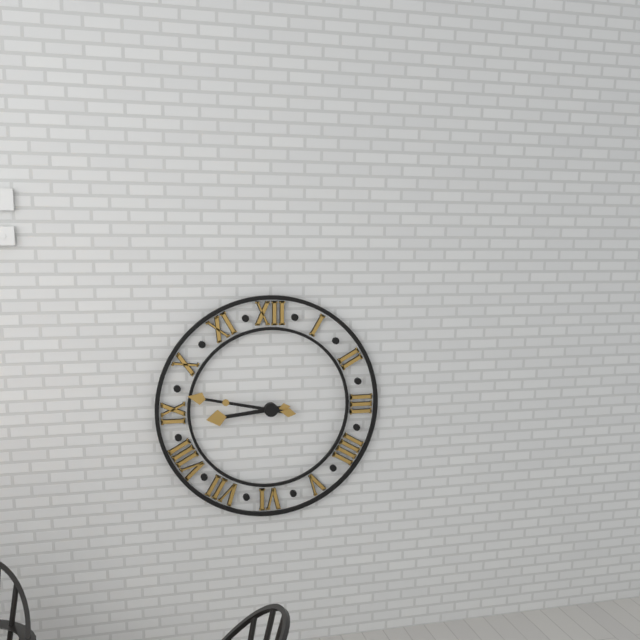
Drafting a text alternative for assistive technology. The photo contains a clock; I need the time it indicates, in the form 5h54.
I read 8h47
